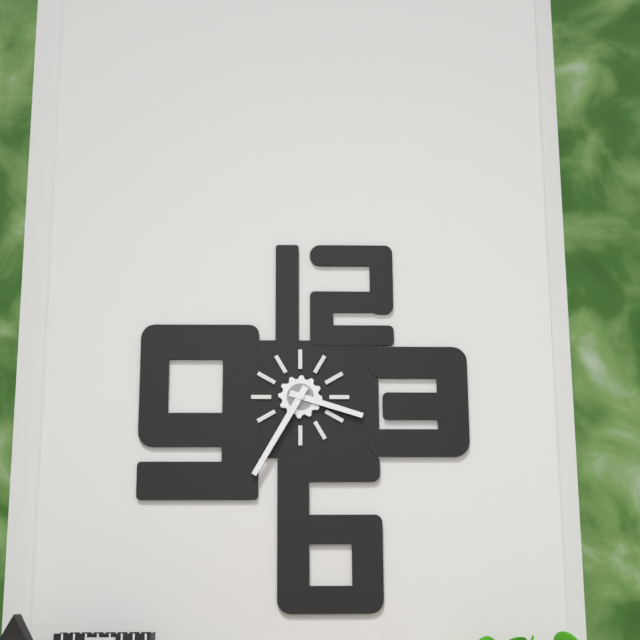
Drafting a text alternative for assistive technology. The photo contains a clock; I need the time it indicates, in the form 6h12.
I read 3h35
